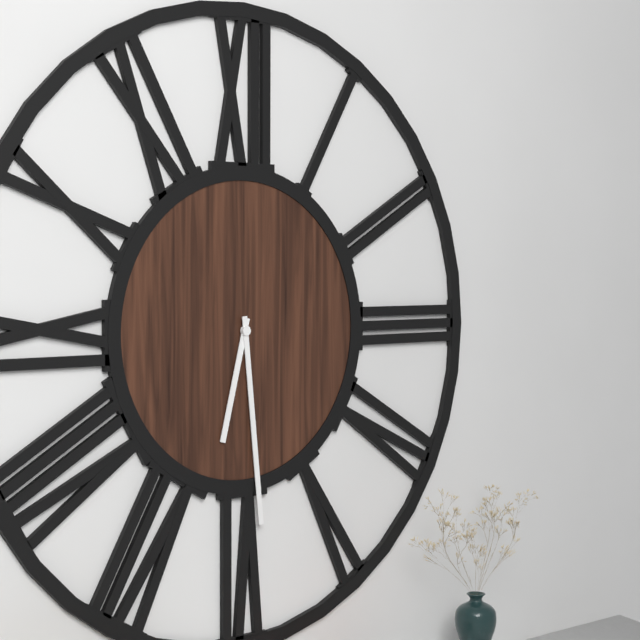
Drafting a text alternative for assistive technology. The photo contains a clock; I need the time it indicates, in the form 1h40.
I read 6h29
